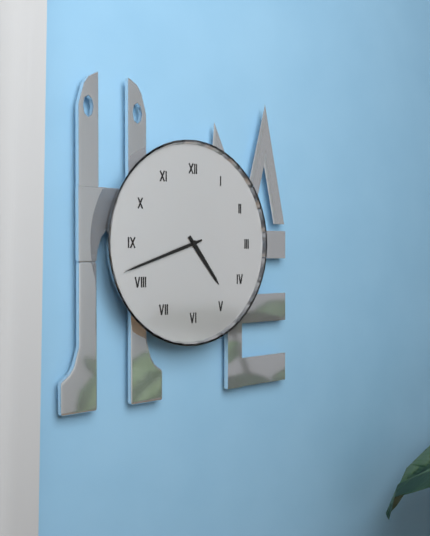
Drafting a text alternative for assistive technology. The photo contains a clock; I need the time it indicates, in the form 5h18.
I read 4h42
